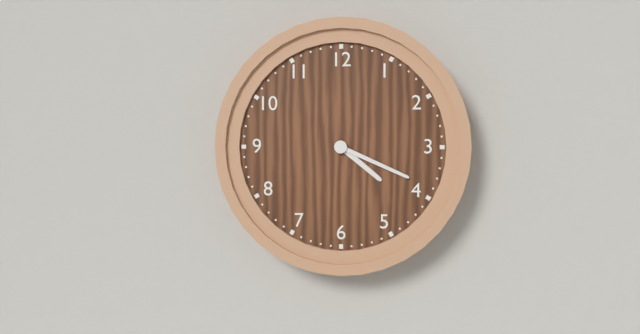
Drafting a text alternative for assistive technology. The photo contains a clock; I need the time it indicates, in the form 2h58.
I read 4h19
